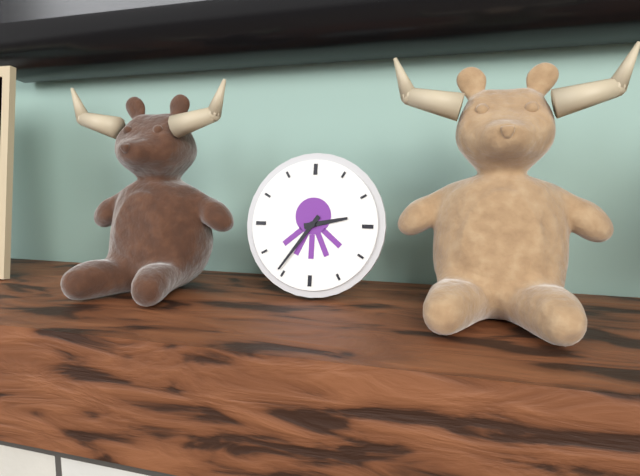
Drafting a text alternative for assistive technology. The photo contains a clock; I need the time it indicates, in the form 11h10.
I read 2h36
